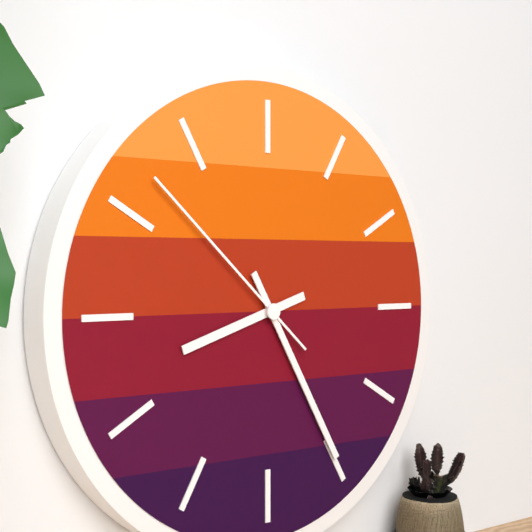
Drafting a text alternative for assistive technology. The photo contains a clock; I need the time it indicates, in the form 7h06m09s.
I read 8h25m52s
